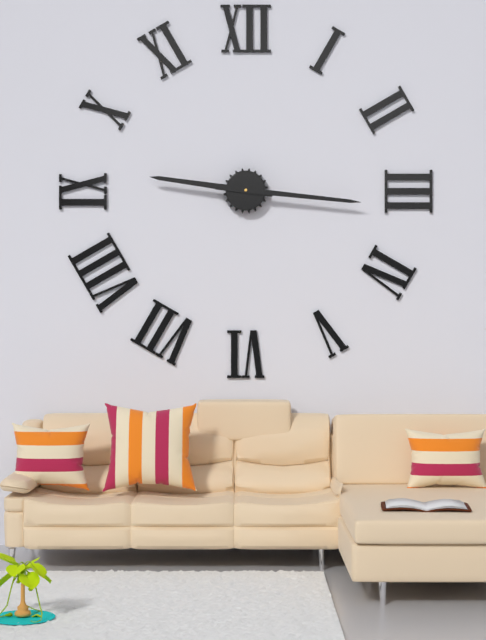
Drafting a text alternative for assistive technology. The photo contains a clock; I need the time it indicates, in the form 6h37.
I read 9h16
